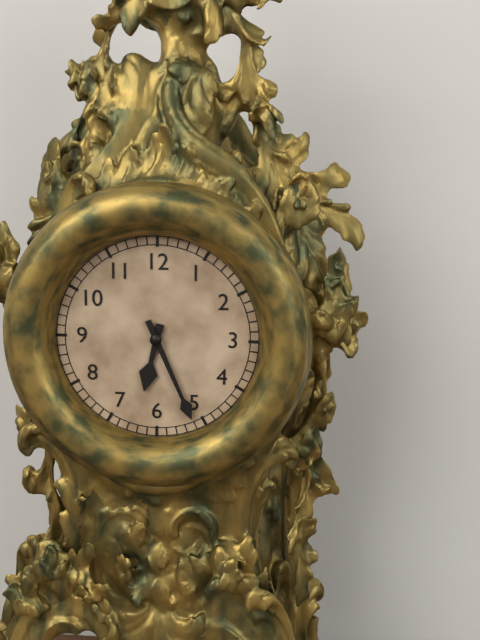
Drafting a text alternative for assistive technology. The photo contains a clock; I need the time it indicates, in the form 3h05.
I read 6h26
